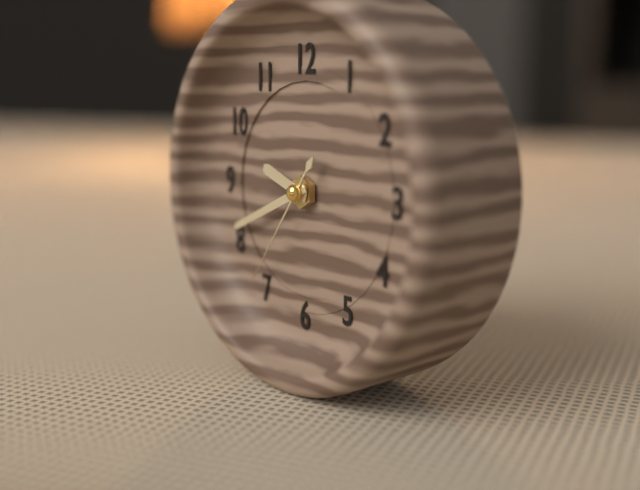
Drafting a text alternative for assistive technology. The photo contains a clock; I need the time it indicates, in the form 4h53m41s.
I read 9h41m36s
